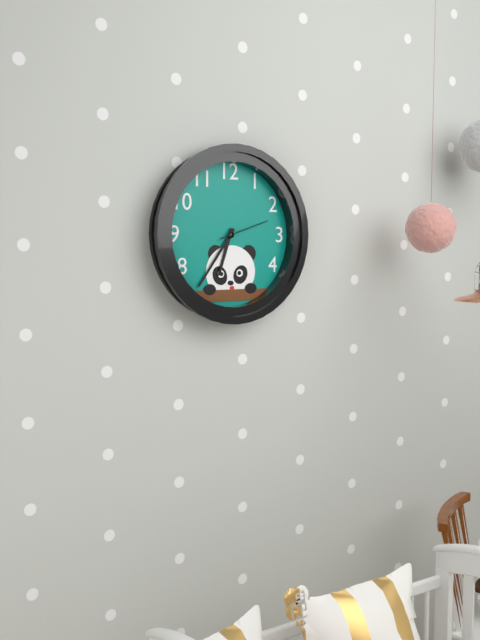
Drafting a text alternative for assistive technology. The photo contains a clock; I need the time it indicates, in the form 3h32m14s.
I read 6h36m12s
